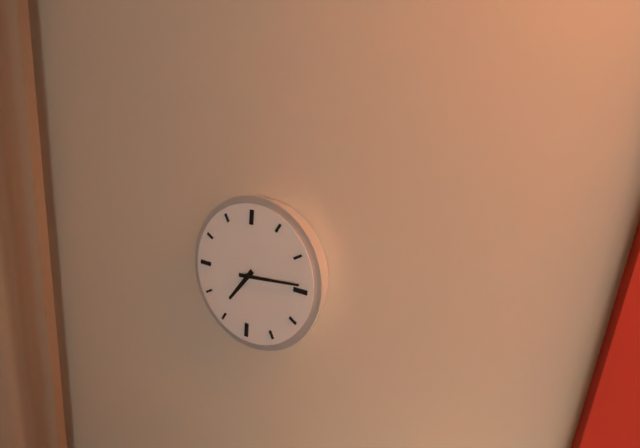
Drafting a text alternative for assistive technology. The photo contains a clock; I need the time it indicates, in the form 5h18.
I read 7h14
